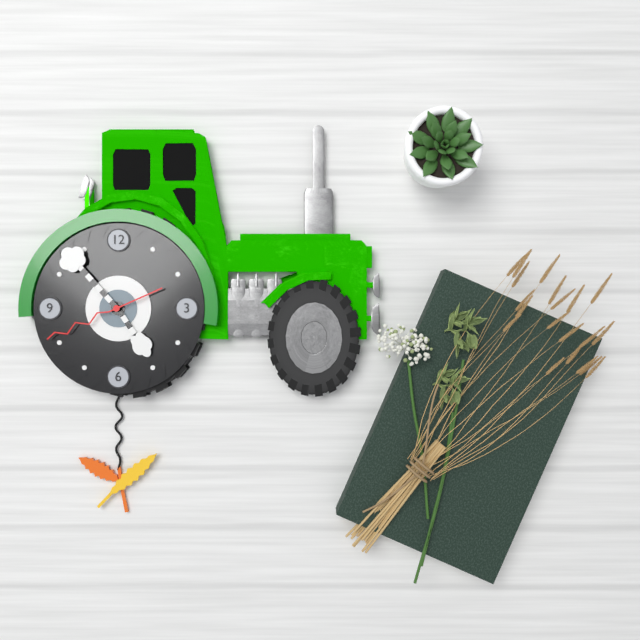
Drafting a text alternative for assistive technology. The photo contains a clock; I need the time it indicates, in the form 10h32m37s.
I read 4h53m41s
